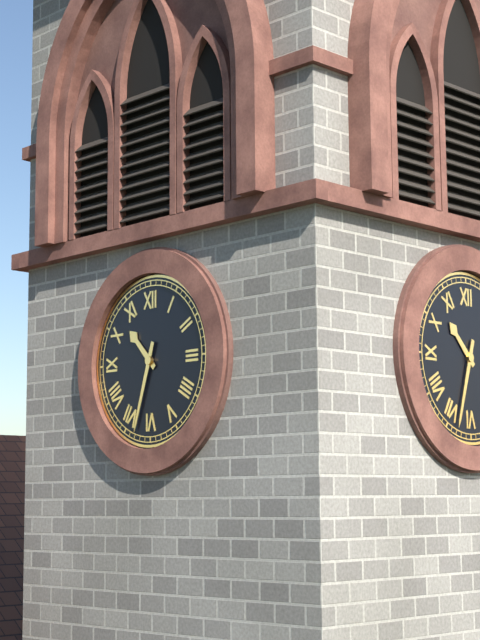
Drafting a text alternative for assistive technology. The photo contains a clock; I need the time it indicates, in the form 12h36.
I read 10h33
